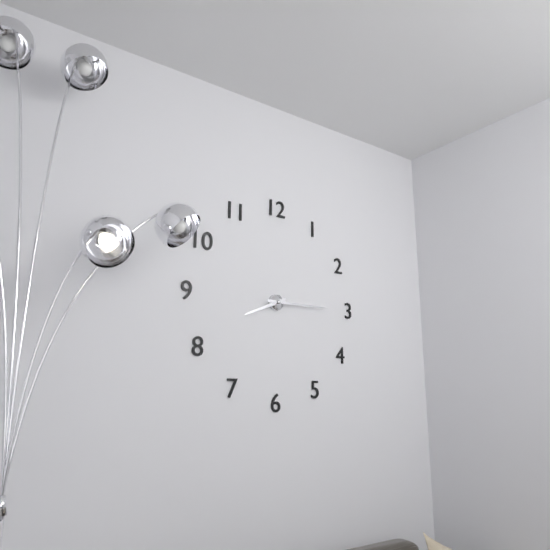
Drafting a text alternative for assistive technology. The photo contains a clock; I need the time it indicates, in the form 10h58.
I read 8h15
